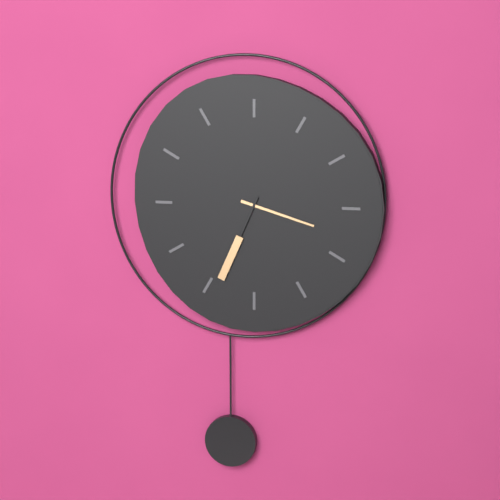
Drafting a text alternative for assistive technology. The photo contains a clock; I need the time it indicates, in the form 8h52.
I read 3h34
